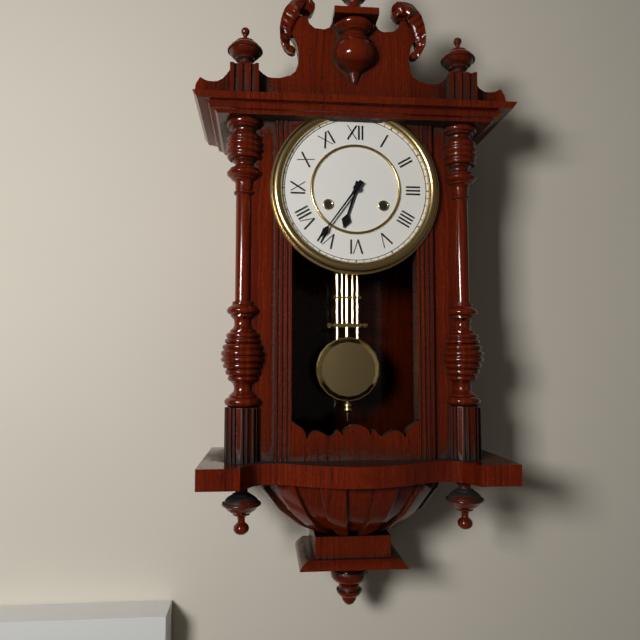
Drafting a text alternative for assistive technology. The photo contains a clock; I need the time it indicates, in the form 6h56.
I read 6h36
